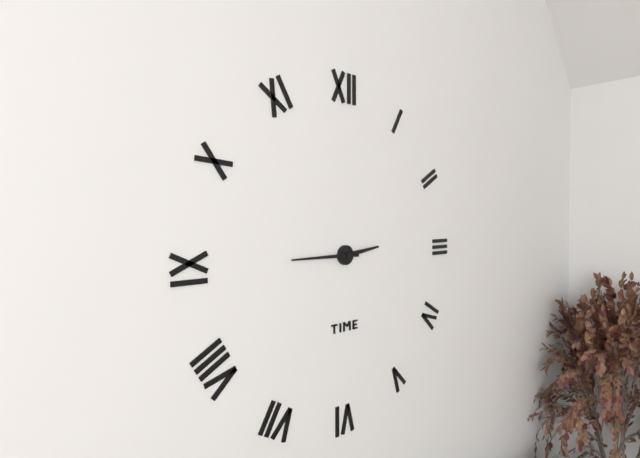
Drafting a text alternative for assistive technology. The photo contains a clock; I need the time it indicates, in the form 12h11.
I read 2h45
